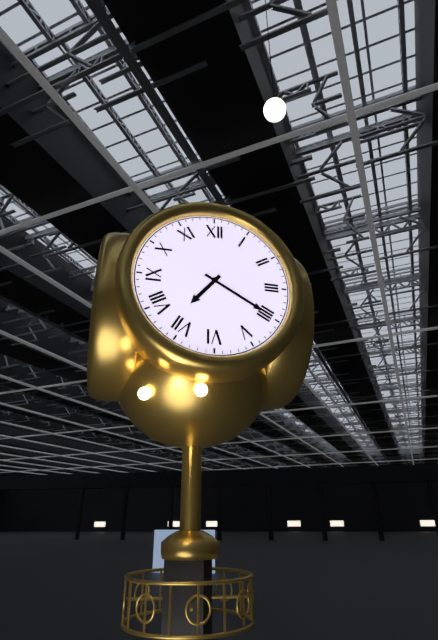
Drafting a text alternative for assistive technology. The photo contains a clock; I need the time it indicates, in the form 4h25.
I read 7h20
